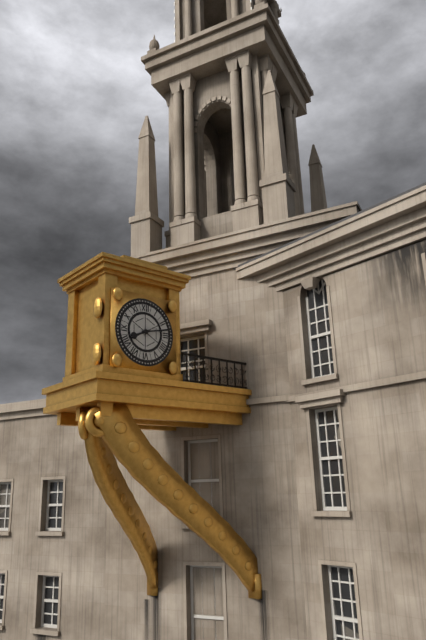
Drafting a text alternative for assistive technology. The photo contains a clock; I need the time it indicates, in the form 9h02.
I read 8h13
